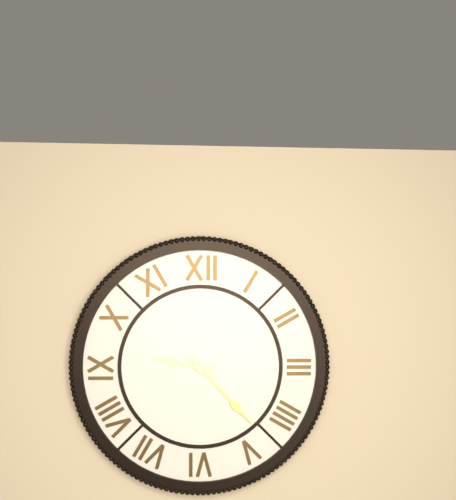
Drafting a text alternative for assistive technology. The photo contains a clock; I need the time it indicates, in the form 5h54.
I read 9h23
